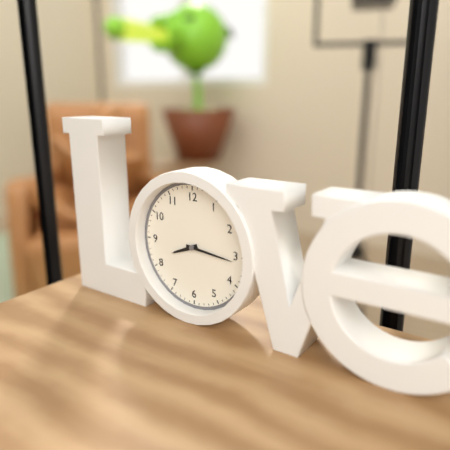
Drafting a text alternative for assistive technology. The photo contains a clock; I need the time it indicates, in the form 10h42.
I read 8h16
